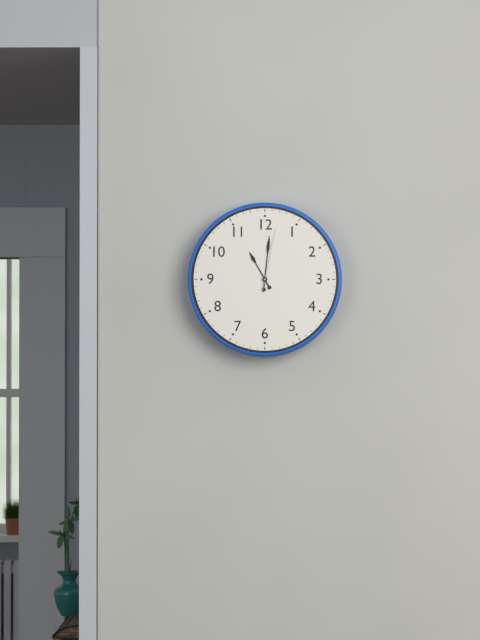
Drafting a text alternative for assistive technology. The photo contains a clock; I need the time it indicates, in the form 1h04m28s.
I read 11h01m02s
